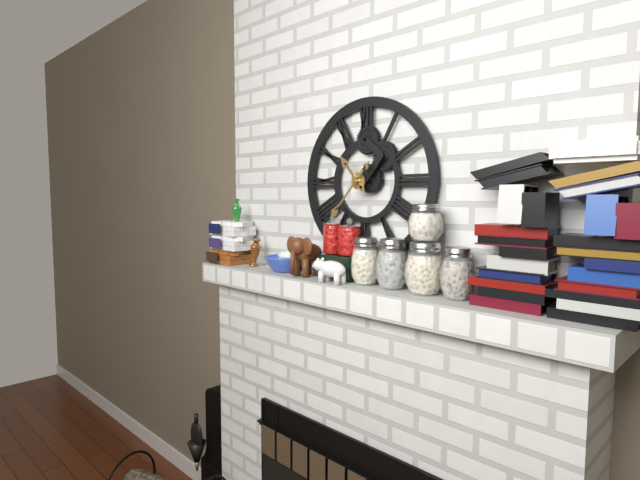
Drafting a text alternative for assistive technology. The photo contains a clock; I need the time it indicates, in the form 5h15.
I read 10h37
